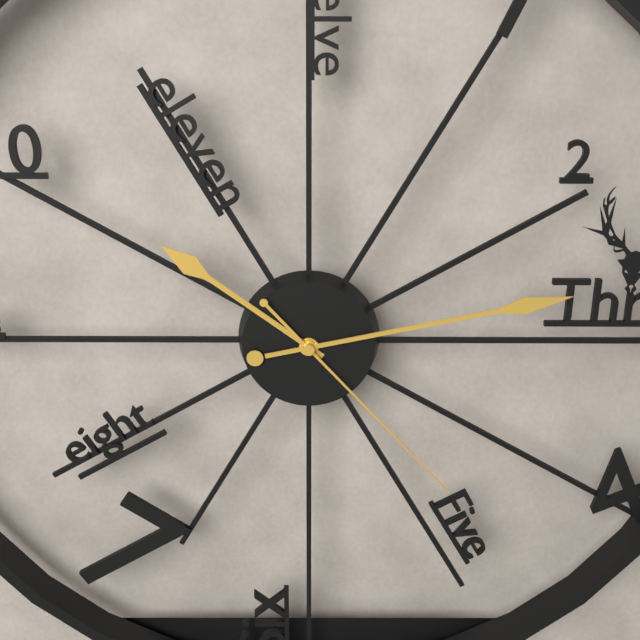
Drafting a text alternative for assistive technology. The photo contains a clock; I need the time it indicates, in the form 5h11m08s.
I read 10h13m23s
